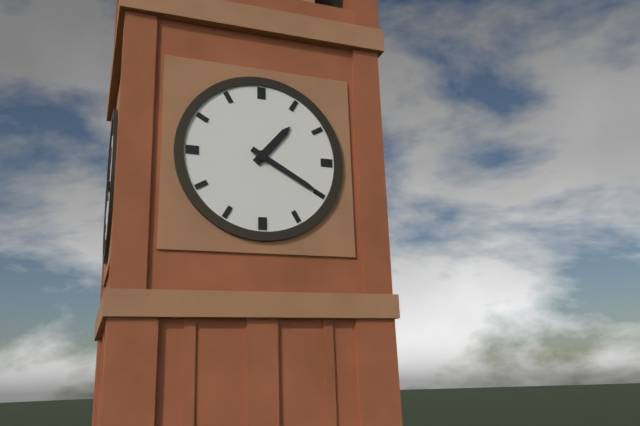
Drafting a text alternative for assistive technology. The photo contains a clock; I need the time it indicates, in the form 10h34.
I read 1h20
